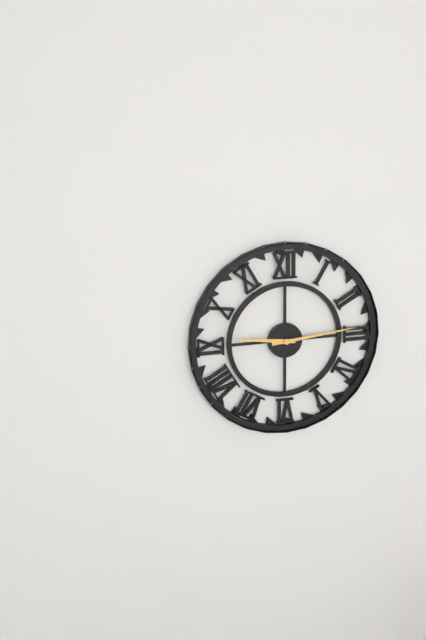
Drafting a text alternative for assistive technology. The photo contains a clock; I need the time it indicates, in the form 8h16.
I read 9h14
